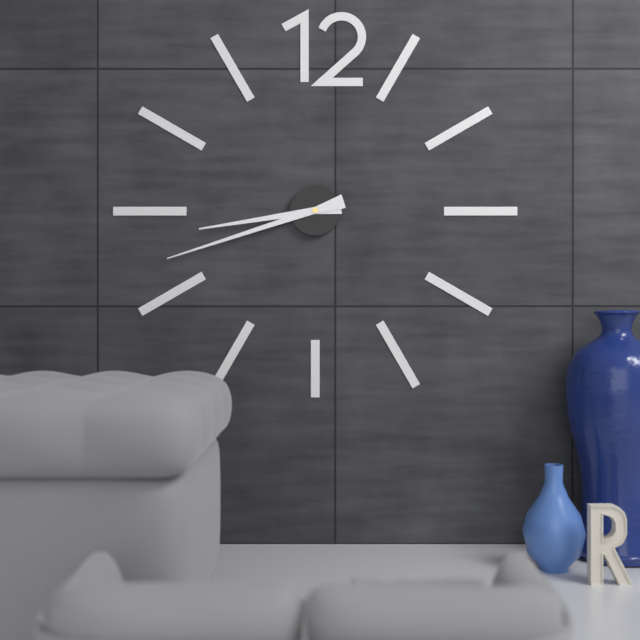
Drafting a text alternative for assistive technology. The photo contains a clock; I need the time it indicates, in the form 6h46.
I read 8h42
